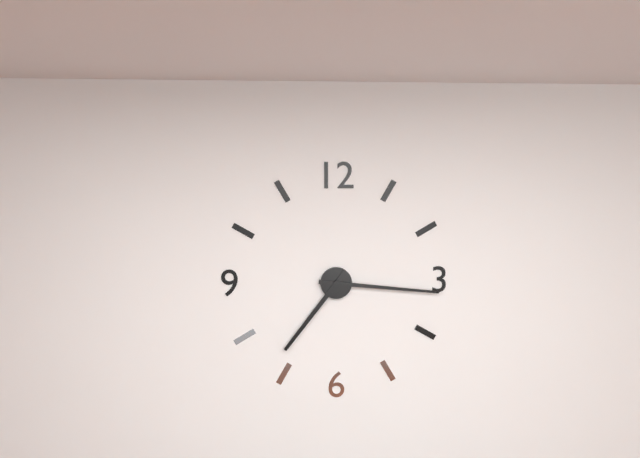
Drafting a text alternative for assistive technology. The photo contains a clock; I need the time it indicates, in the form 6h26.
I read 7h16
